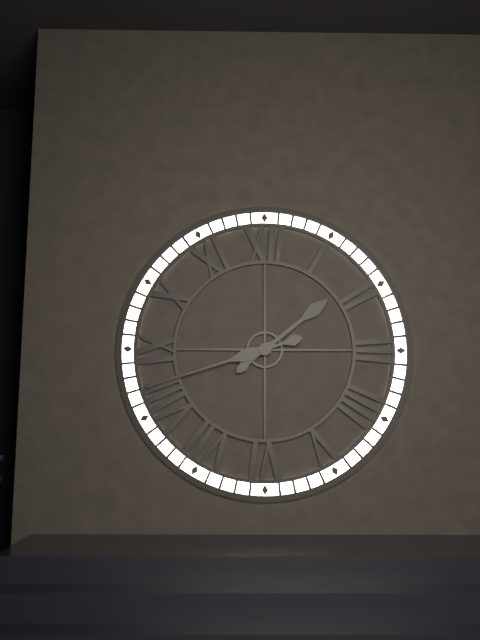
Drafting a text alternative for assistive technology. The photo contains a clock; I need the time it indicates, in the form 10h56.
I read 1h42
